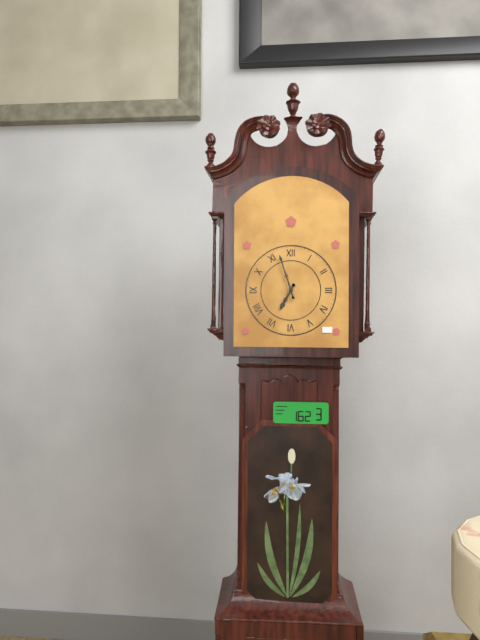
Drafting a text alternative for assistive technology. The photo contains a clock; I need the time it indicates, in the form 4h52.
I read 6h57
